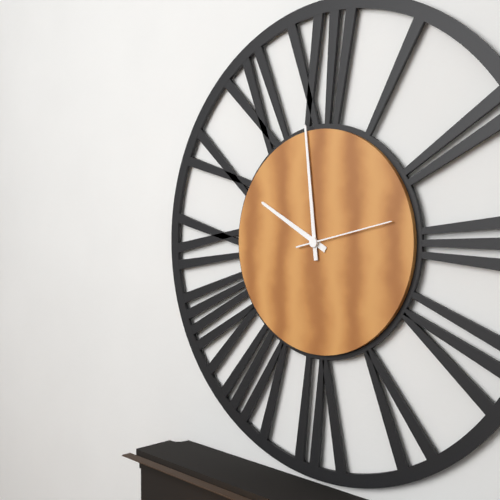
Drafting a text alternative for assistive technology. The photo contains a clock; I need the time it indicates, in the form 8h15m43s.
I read 9h59m13s
